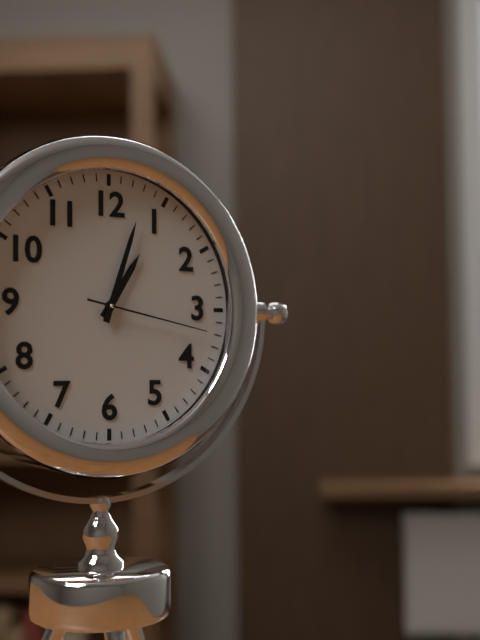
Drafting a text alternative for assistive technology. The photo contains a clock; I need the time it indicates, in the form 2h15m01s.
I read 1h03m17s
